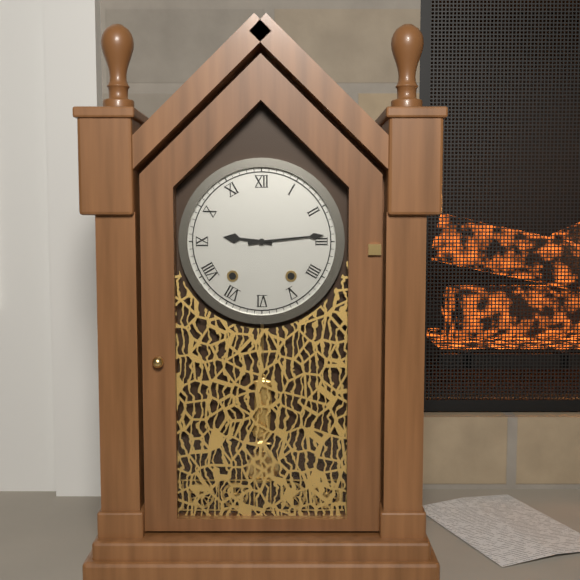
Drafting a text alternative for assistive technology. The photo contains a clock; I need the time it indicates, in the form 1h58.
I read 9h14
